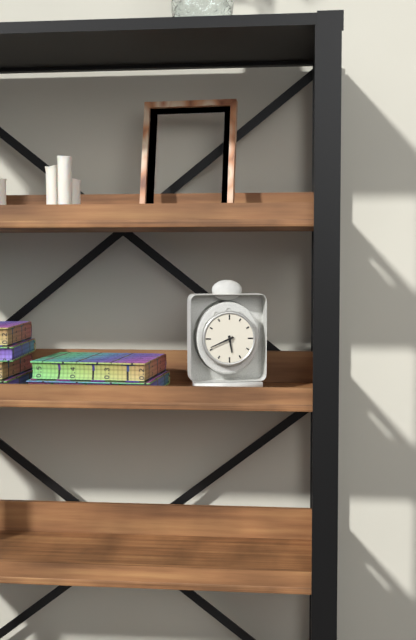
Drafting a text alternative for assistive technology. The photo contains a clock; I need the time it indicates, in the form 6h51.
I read 5h41
